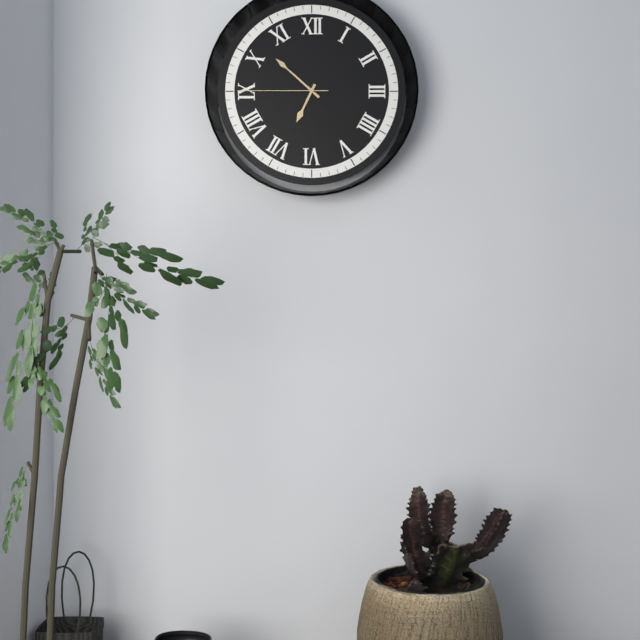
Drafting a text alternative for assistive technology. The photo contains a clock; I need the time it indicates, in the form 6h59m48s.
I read 6h52m45s
